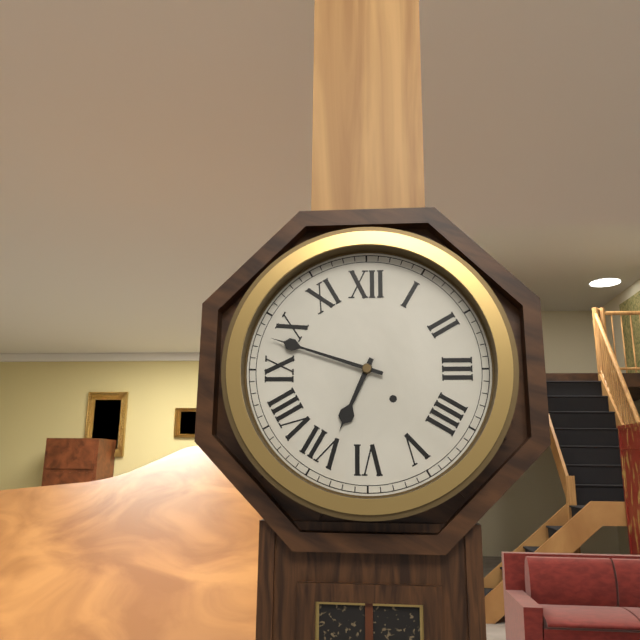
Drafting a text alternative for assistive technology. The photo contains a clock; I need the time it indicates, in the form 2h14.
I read 6h48
